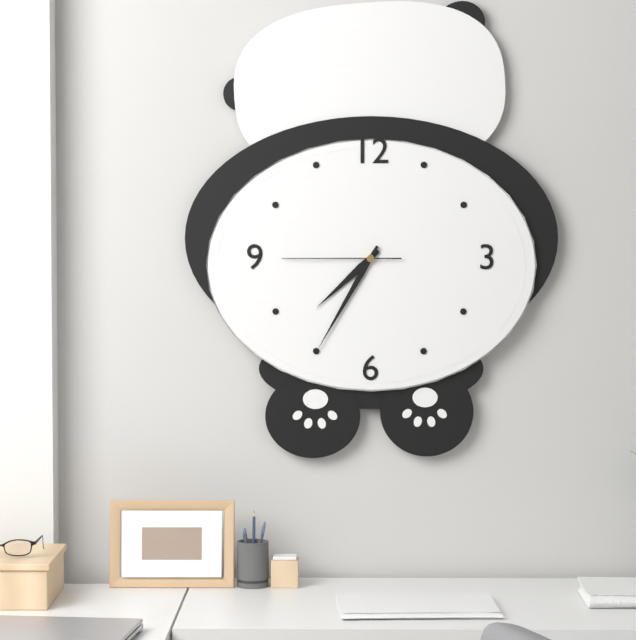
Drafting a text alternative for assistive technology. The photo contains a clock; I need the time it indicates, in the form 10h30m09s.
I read 7h35m45s
